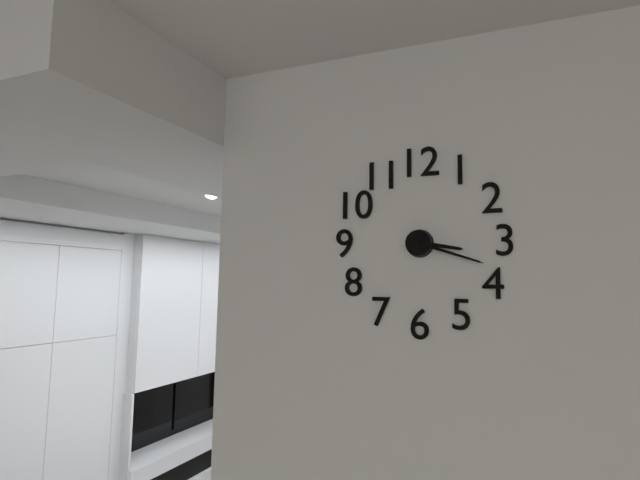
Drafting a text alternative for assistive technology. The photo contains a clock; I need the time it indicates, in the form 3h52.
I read 3h18
